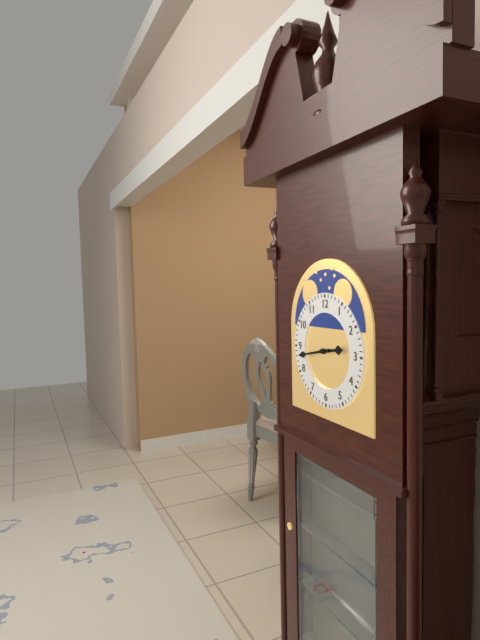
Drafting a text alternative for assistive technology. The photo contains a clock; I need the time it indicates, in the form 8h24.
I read 2h43
